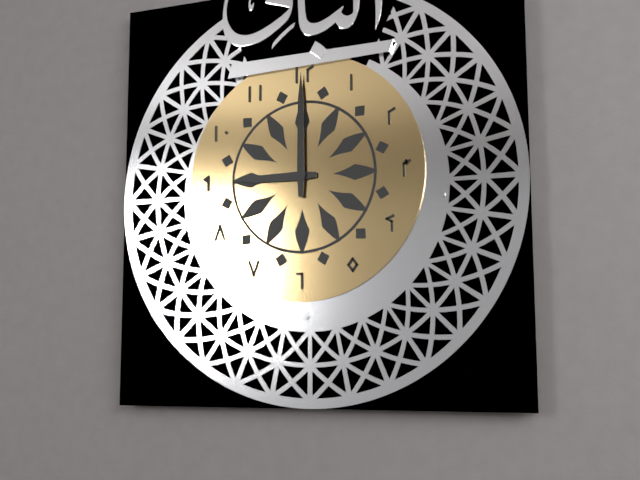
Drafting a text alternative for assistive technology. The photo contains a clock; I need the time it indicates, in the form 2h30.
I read 9h00
